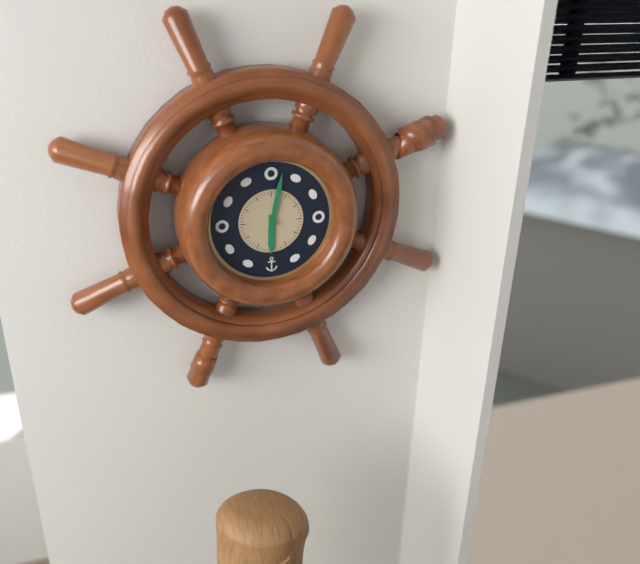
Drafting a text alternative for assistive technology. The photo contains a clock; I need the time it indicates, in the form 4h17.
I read 6h02
